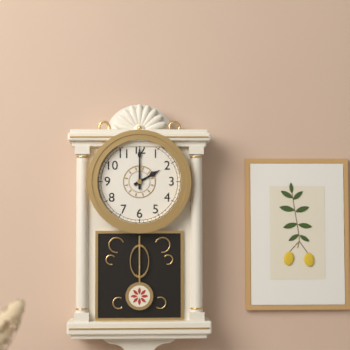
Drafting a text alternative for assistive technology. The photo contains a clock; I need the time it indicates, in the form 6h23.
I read 2h00
